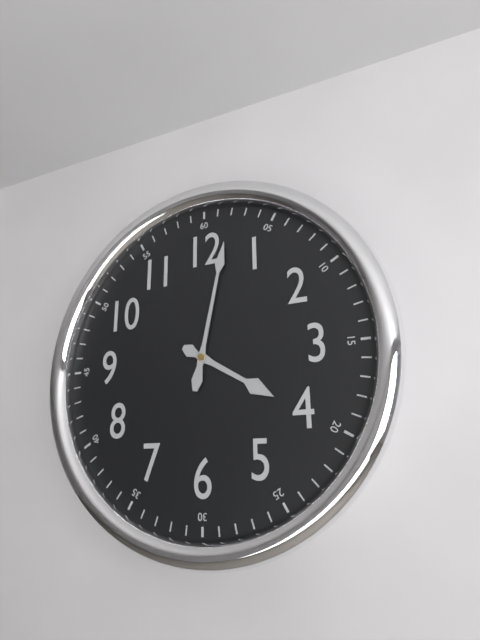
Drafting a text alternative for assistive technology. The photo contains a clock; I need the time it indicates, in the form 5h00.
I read 4h02
